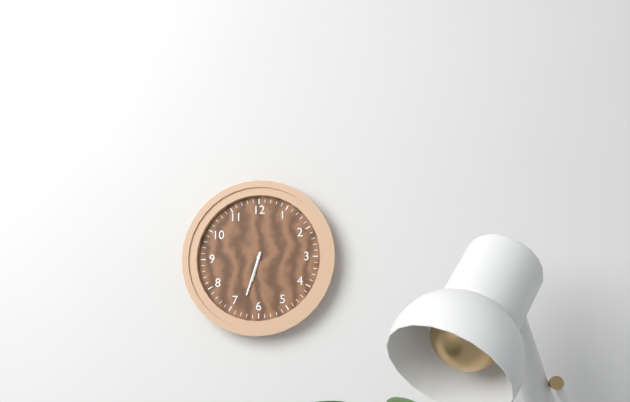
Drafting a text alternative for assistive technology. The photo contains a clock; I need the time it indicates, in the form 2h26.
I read 6h33
